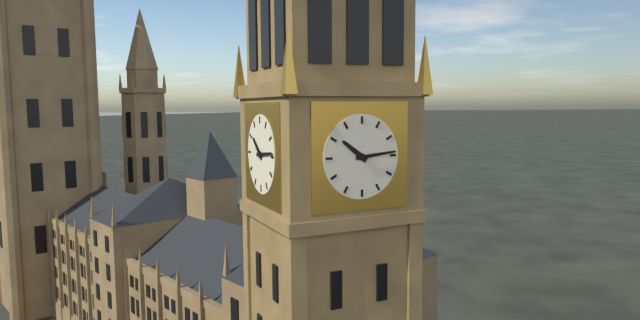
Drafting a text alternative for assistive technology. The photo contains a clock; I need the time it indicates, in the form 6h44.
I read 10h14
